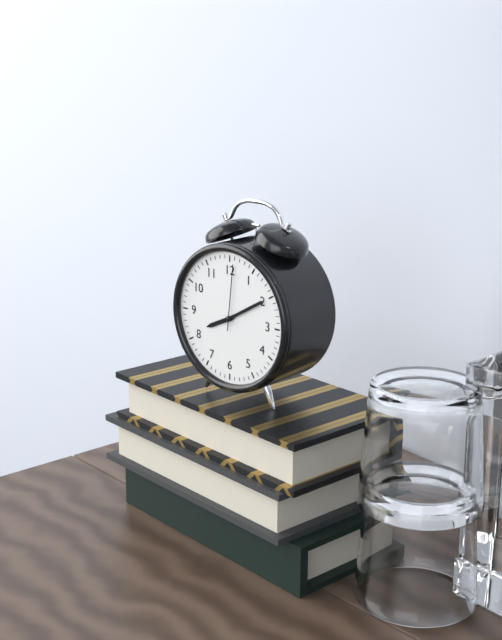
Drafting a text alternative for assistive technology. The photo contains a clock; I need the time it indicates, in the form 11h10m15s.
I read 8h10m01s
